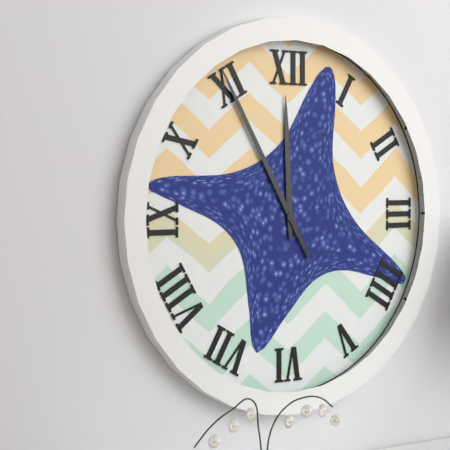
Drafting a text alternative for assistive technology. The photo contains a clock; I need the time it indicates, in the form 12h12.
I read 11h55
